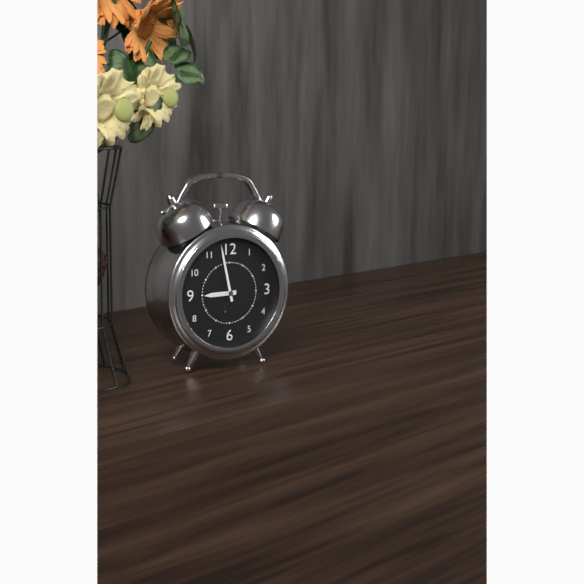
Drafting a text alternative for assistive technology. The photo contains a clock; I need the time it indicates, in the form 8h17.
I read 8h58
